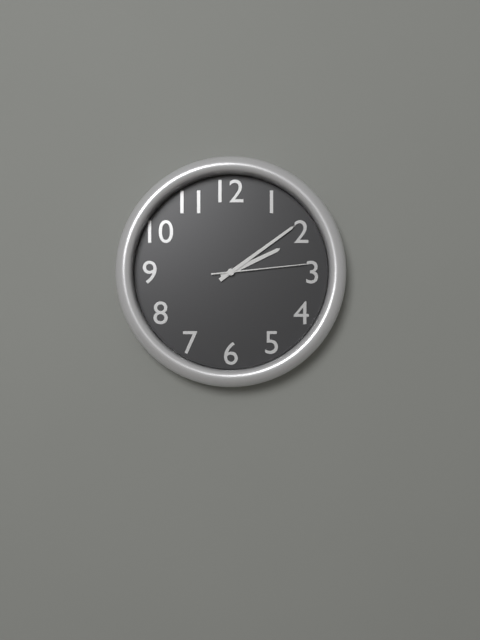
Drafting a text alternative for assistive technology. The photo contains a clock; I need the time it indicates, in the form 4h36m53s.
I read 2h09m14s
